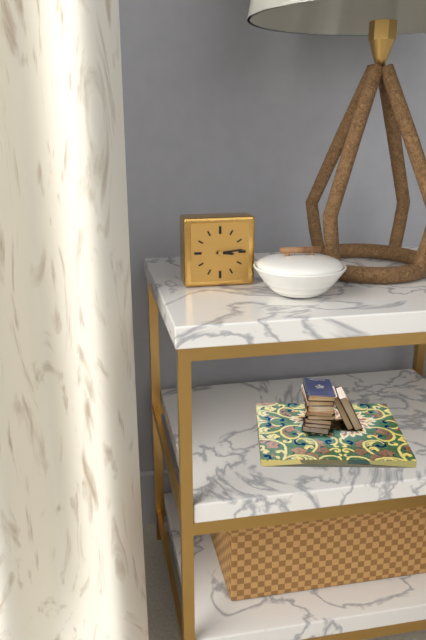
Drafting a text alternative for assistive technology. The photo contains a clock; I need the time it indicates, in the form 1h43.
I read 3h14
